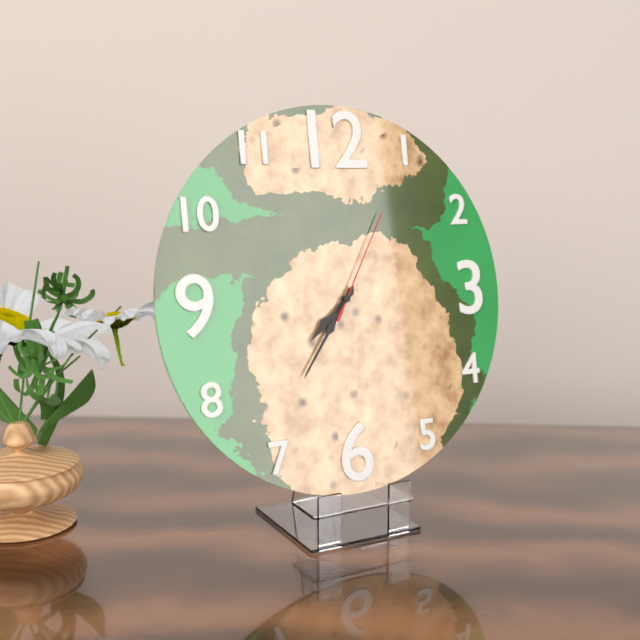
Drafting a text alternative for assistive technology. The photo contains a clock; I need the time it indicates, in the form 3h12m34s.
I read 7h36m05s
